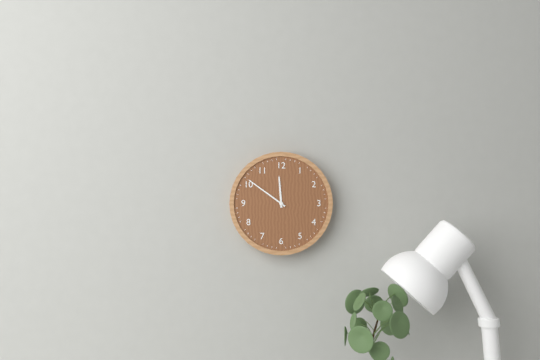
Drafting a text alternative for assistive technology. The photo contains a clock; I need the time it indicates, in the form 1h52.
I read 11h51
